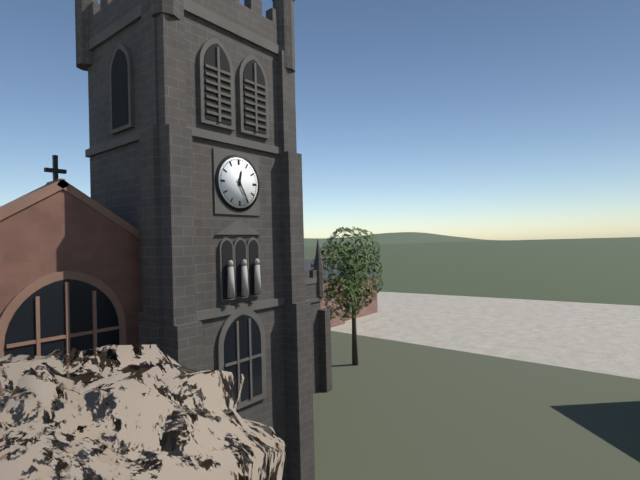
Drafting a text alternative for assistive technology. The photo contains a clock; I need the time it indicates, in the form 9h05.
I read 12h25
